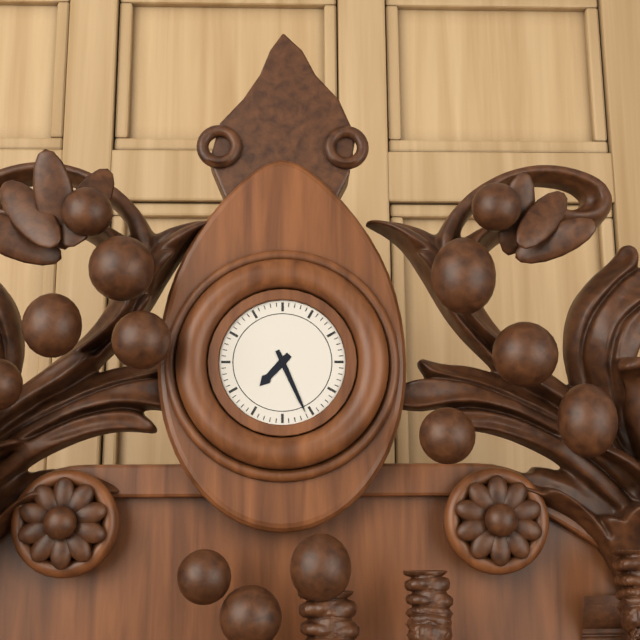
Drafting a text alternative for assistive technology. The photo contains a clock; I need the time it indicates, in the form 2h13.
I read 7h26
